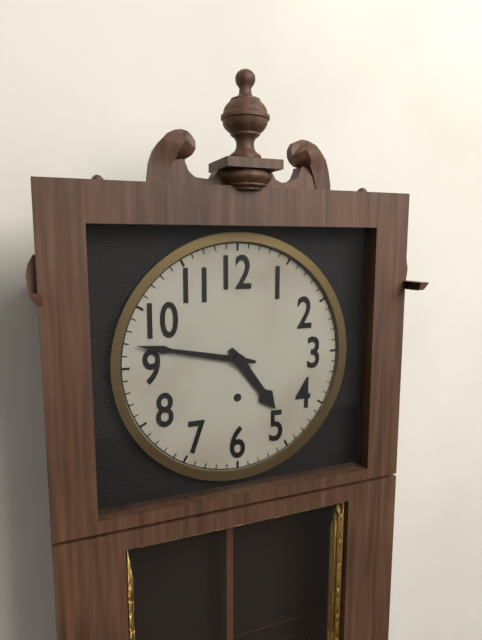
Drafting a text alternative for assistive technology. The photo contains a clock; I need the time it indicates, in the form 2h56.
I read 4h47
